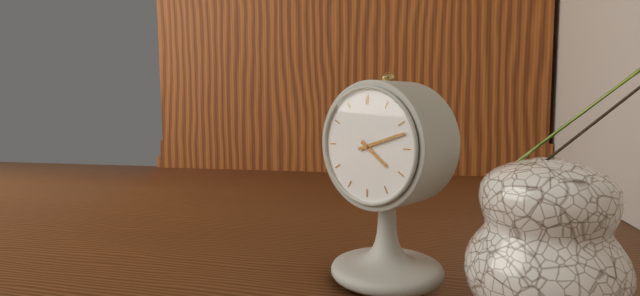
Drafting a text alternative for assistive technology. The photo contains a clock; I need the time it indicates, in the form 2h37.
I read 4h12
